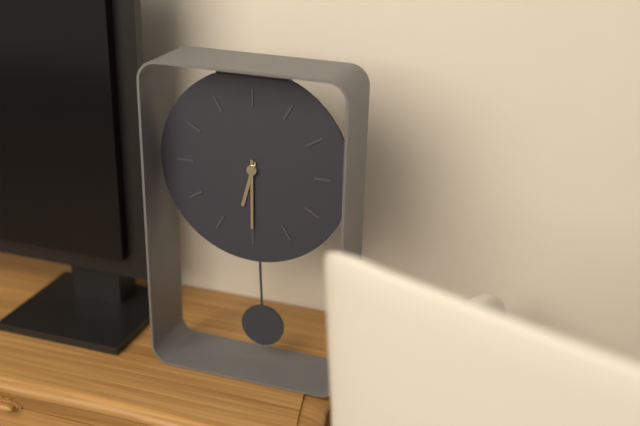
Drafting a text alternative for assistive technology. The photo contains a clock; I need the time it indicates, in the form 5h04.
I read 6h30
